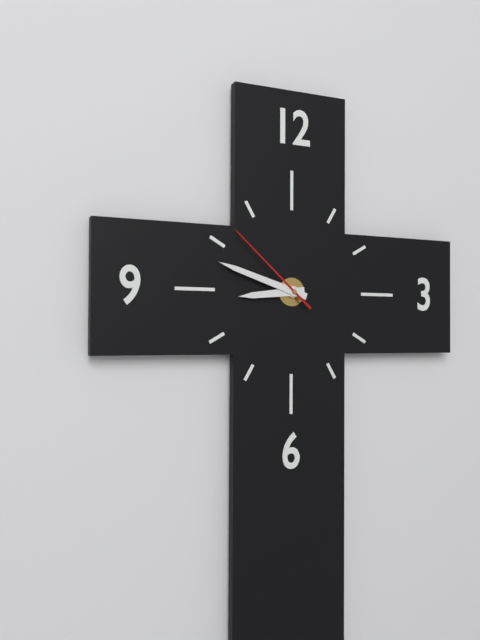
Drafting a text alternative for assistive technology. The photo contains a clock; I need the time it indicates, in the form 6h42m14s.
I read 8h48m52s
